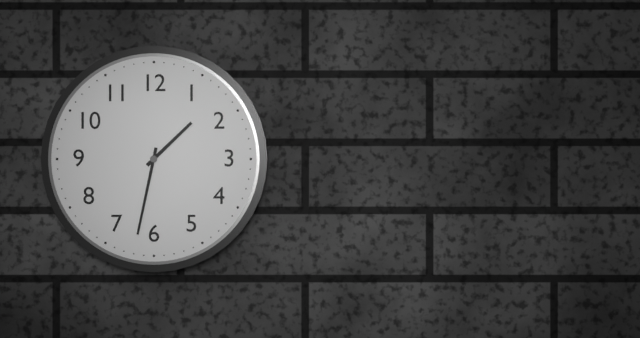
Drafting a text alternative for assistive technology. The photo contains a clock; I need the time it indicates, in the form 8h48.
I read 1h32
